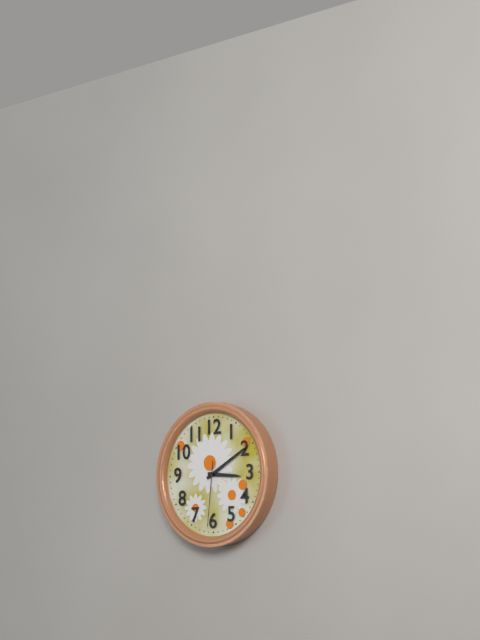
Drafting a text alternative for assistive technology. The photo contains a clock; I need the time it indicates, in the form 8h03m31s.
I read 3h10m31s
